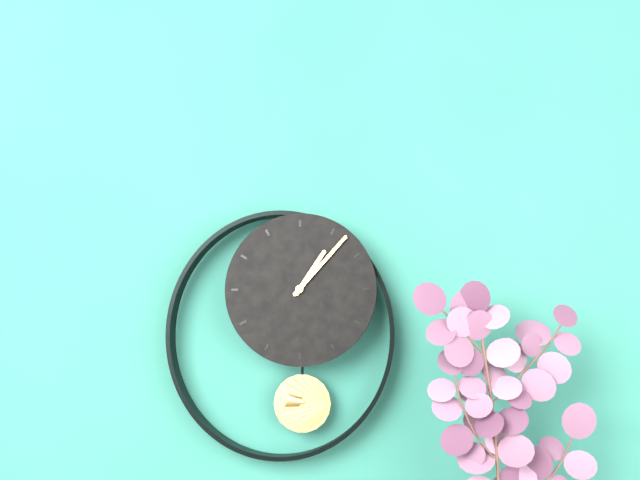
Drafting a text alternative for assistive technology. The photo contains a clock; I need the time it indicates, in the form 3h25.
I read 1h07
